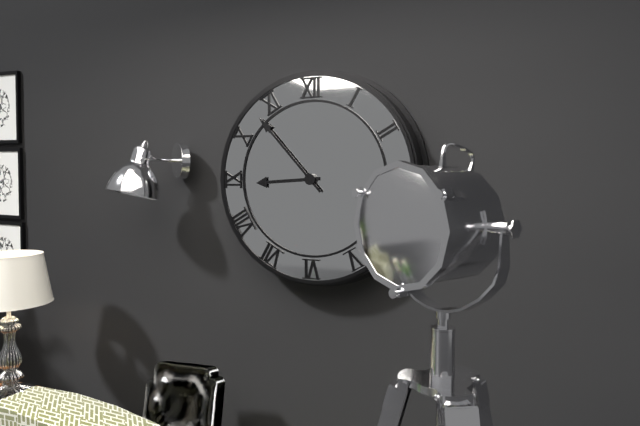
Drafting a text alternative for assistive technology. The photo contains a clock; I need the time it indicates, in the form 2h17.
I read 8h53
